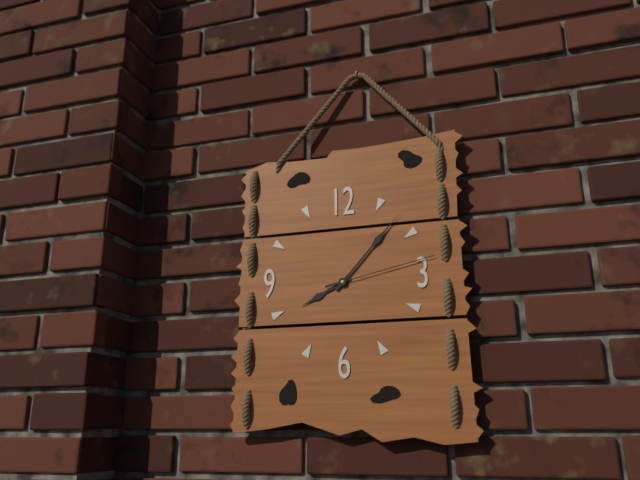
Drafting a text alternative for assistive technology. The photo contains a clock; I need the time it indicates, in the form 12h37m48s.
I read 8h07m13s
